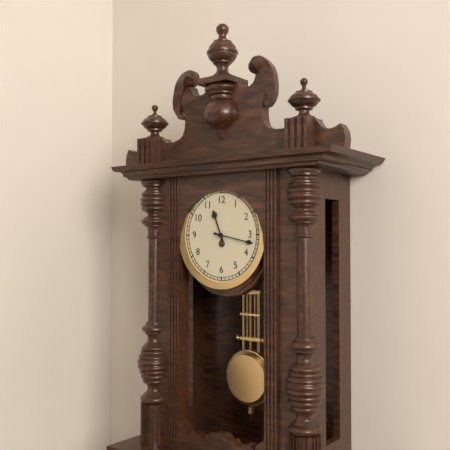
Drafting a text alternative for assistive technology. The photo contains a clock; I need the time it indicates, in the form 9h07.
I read 11h17
